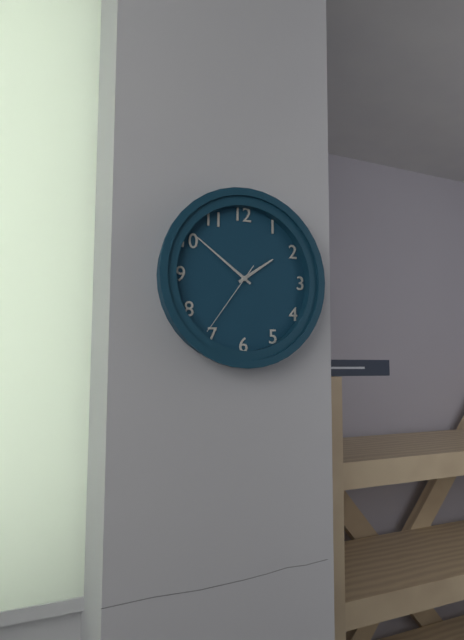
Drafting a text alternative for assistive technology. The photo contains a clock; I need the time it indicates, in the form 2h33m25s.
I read 1h51m36s
